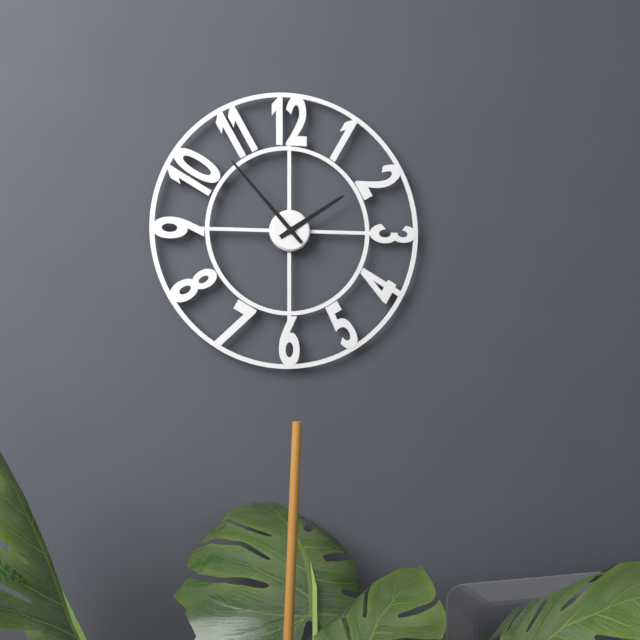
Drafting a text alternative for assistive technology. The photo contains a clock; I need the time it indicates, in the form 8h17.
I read 1h53
